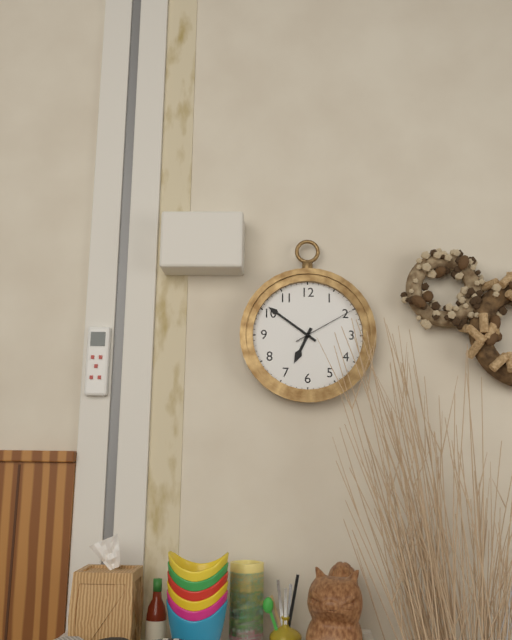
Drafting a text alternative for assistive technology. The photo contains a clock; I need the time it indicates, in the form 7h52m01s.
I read 6h51m10s
